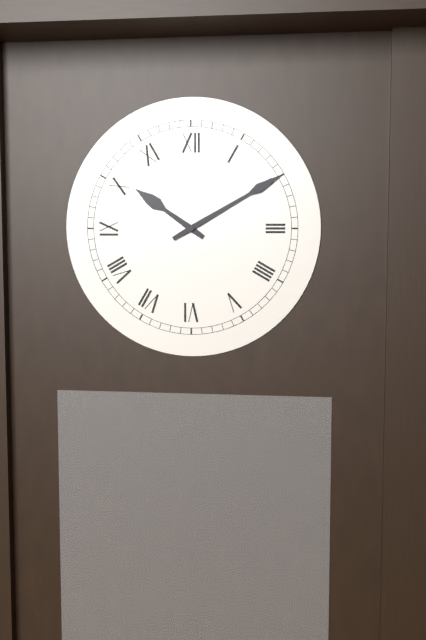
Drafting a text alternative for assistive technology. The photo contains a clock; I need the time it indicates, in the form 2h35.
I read 10h10
